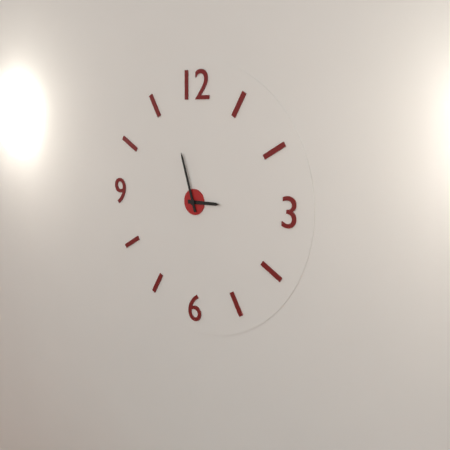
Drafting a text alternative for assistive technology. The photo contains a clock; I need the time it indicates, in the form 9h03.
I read 2h57
